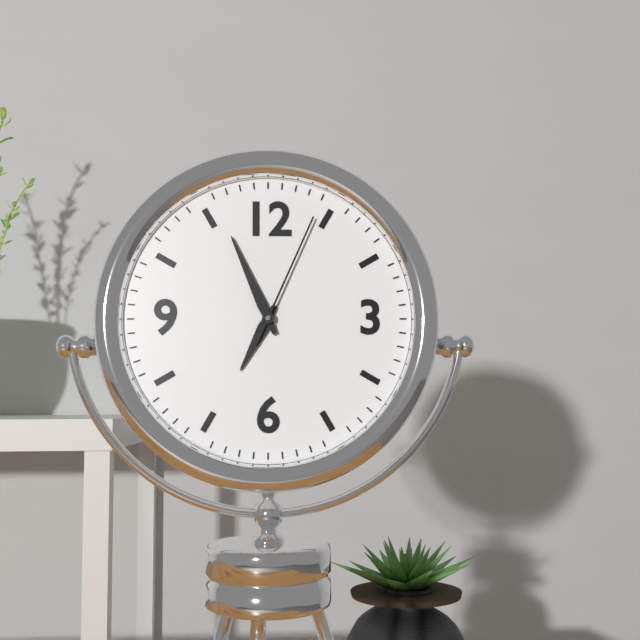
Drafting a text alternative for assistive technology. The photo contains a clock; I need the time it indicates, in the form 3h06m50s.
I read 6h56m04s
